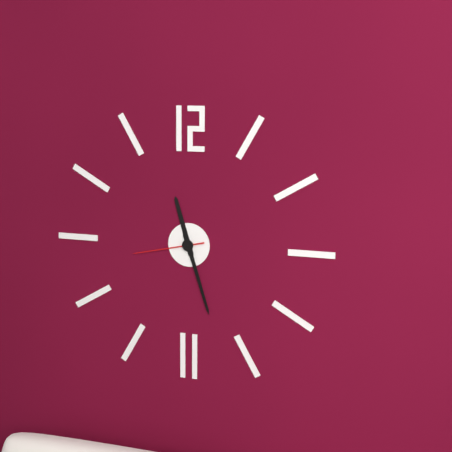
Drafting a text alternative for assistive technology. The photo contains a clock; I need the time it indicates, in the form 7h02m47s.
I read 11h27m43s
